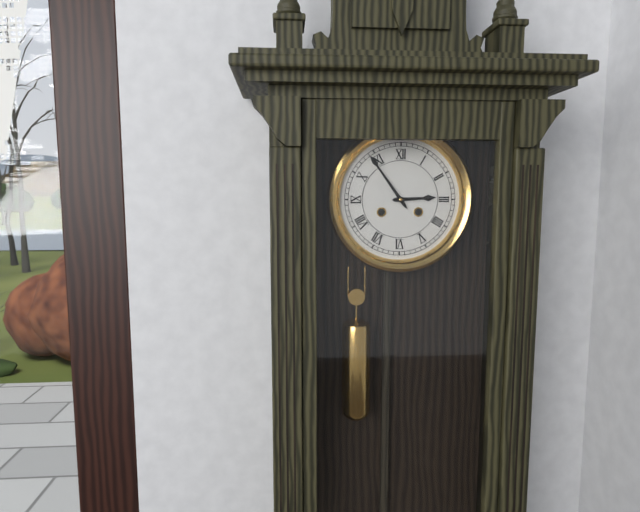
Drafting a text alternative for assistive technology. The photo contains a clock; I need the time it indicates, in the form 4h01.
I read 2h54
